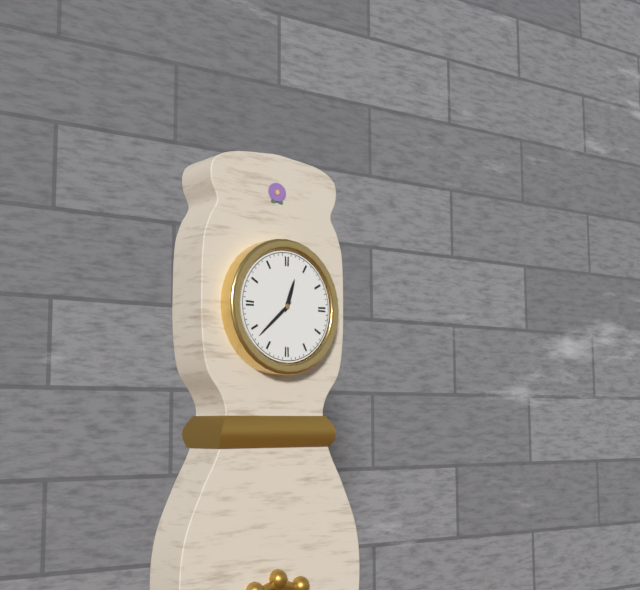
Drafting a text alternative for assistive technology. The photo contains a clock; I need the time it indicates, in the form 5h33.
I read 12h38
